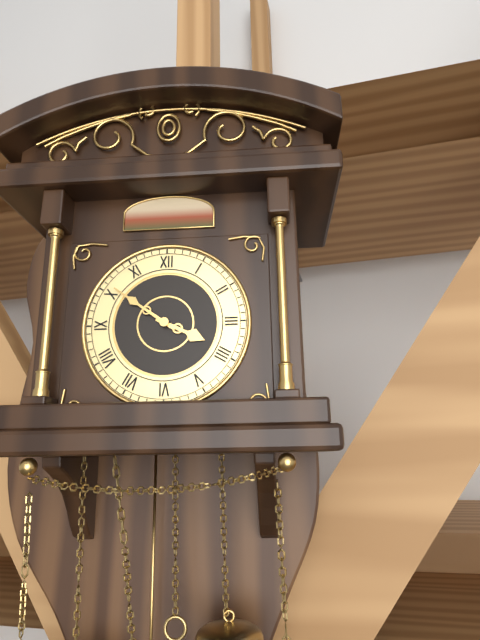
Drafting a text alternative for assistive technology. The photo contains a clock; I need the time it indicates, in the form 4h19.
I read 3h51
